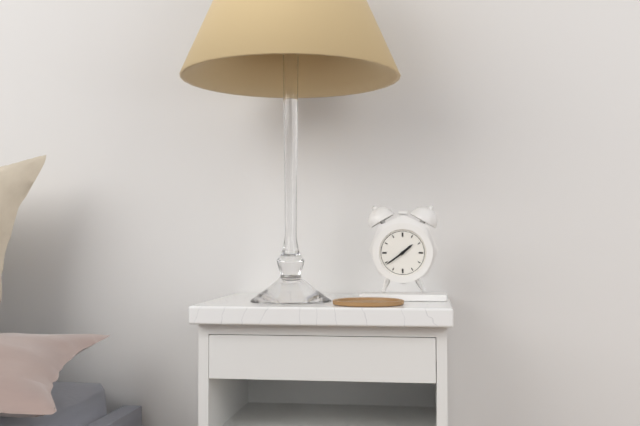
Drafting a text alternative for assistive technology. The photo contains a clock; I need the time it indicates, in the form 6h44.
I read 1h39
